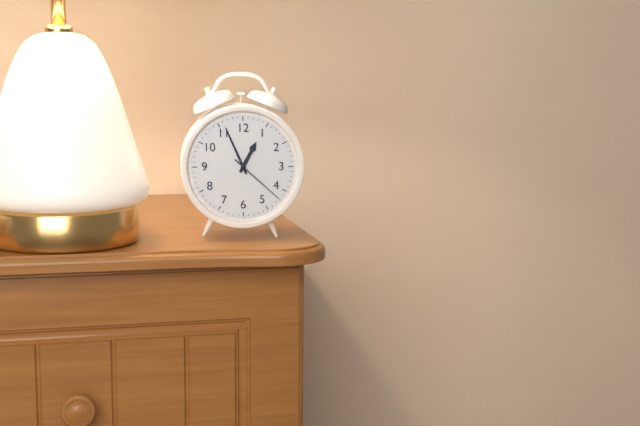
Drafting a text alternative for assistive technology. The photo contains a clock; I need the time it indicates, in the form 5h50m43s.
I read 12h56m22s
